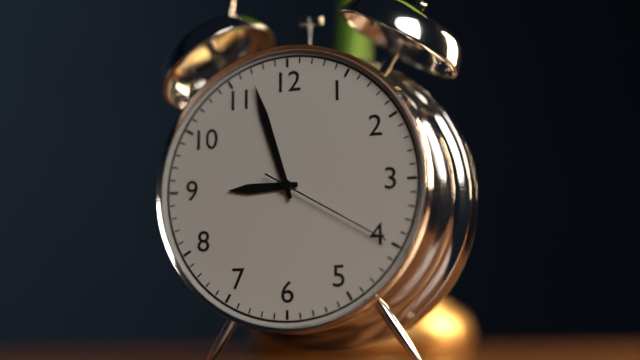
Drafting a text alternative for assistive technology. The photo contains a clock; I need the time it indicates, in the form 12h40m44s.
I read 8h57m20s
